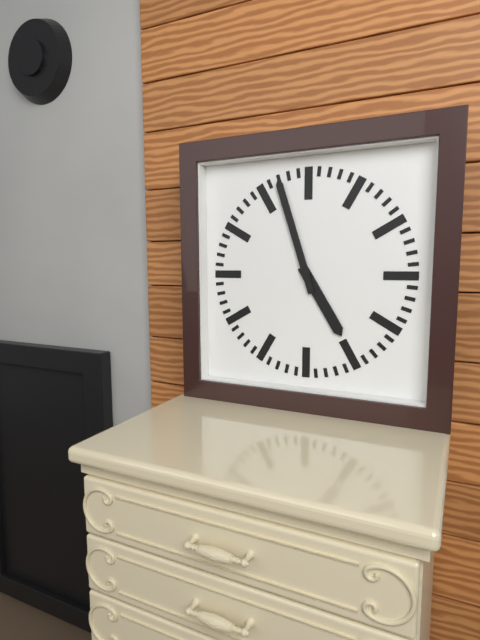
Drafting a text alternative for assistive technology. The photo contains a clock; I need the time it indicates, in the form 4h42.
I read 4h57
